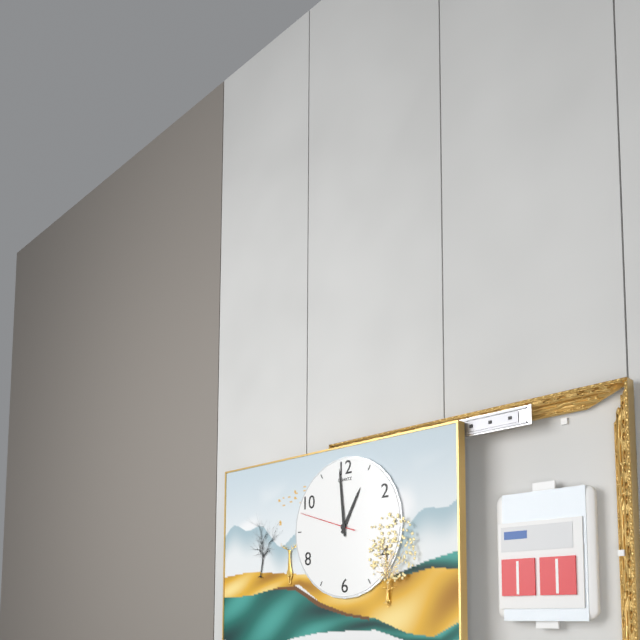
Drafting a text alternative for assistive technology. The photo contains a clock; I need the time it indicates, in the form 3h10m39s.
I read 12h59m48s
